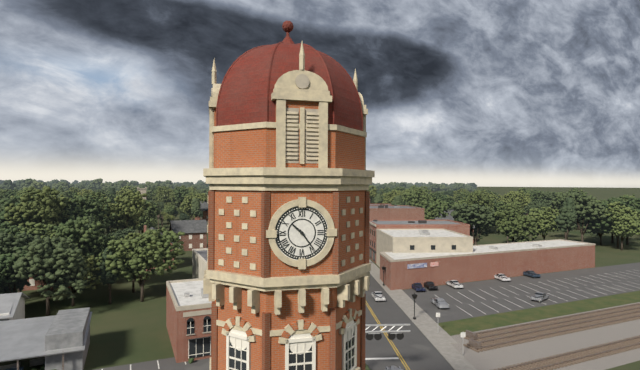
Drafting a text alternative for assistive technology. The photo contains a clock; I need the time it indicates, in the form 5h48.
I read 10h24
